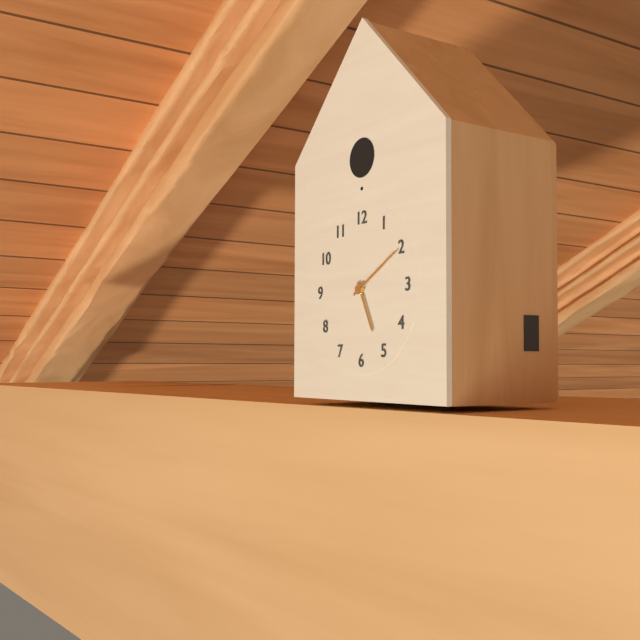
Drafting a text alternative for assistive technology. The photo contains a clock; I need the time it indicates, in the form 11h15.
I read 5h10
